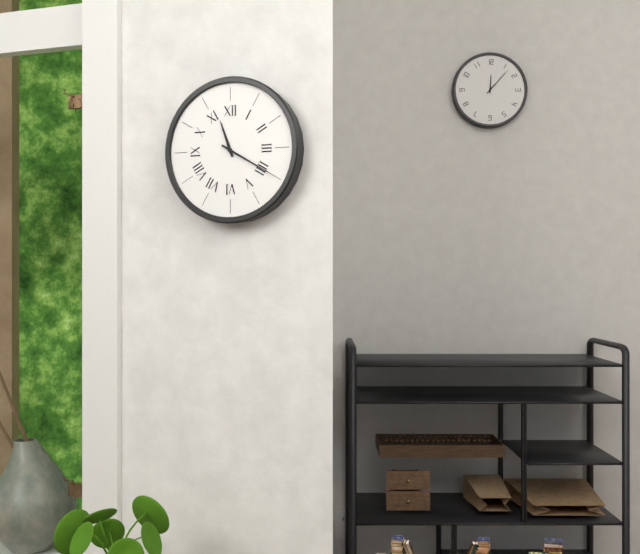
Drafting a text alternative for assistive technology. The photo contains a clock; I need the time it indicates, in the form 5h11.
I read 11h20
